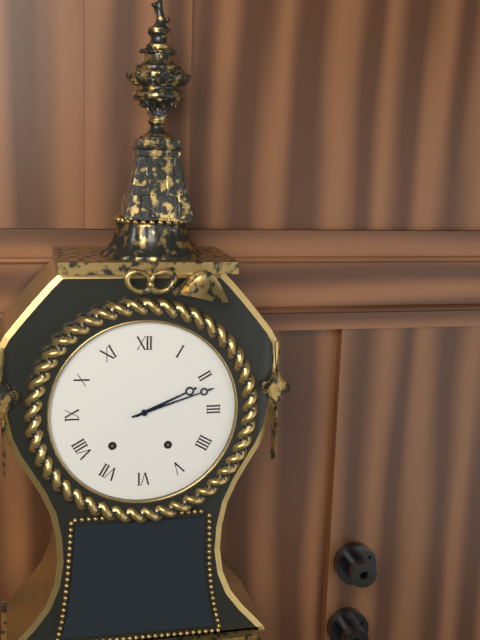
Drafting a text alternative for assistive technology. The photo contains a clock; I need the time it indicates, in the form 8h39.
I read 2h12
